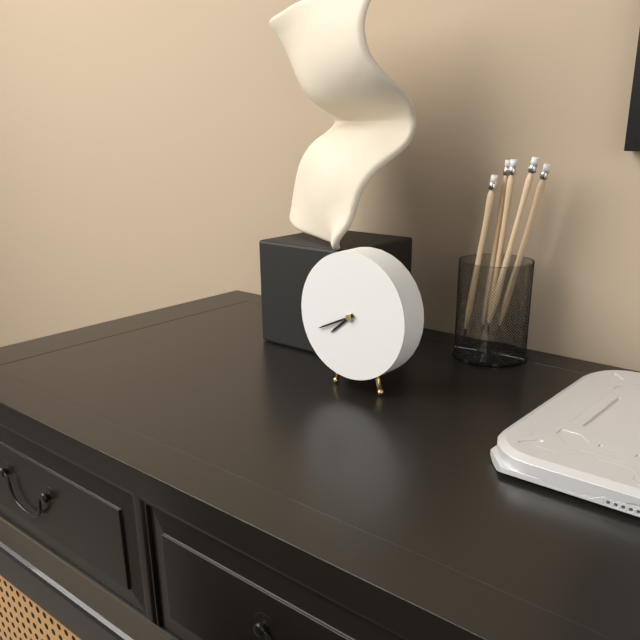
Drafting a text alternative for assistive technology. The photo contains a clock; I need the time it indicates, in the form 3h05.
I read 7h41
